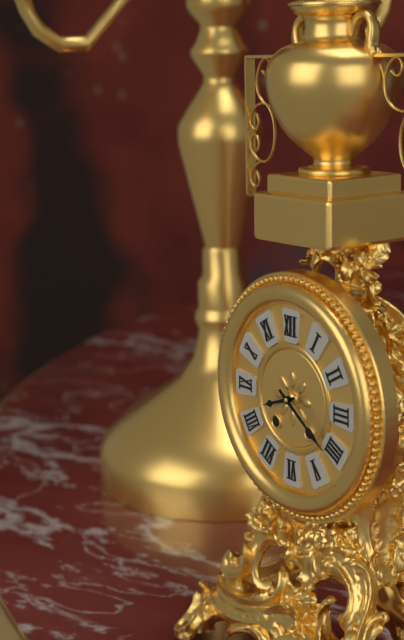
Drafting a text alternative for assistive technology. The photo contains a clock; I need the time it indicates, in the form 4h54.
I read 8h21
